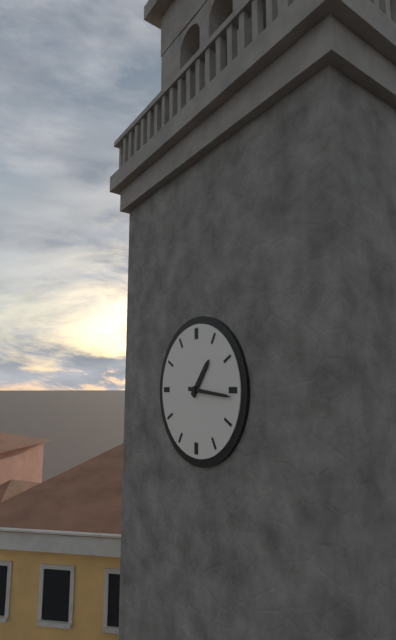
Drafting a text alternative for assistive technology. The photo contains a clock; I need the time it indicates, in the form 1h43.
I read 1h16
